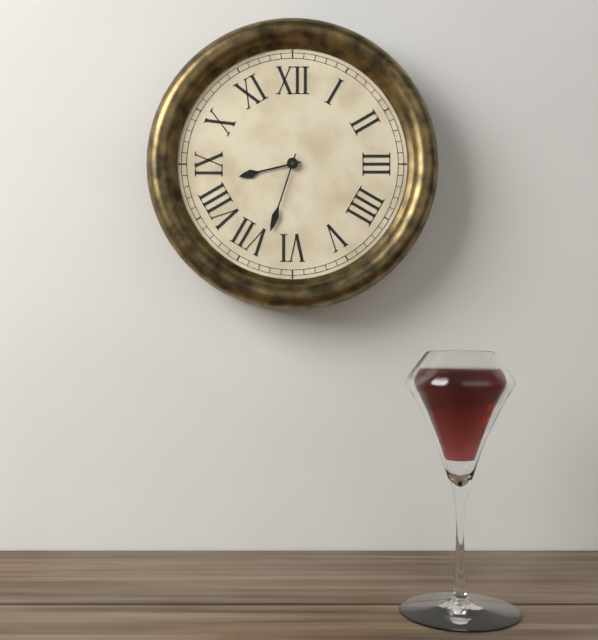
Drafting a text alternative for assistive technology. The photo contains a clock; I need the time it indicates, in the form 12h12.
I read 8h33
